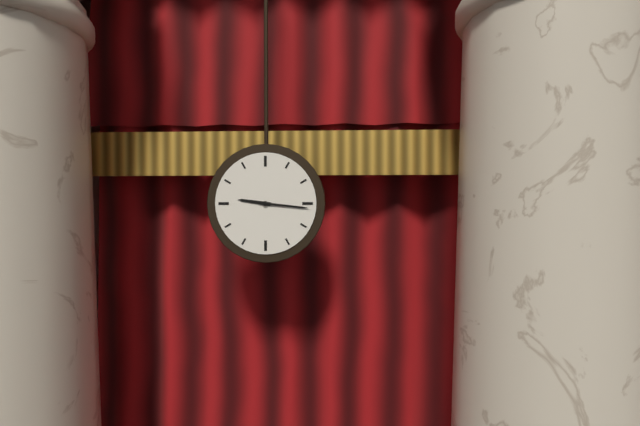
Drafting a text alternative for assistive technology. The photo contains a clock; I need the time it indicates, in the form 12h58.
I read 9h16
